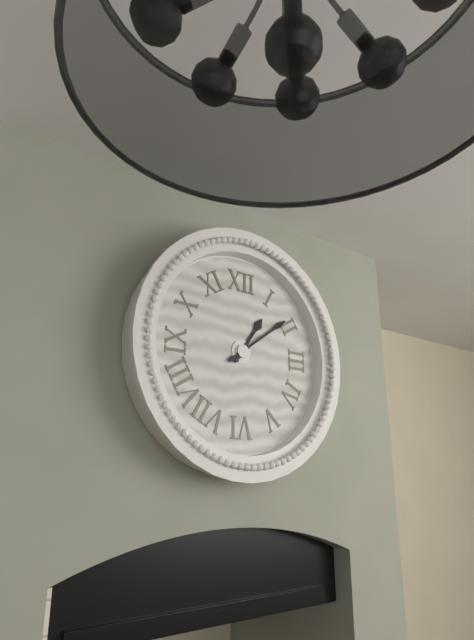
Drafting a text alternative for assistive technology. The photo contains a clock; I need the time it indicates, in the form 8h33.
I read 1h09
